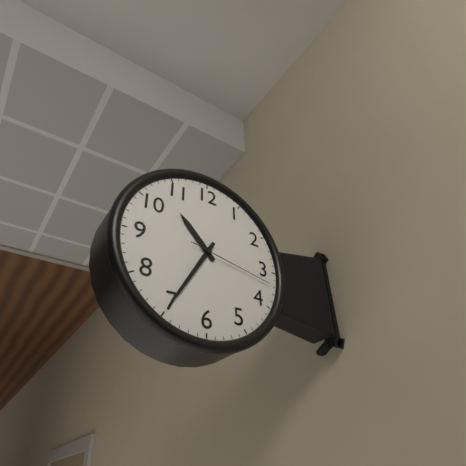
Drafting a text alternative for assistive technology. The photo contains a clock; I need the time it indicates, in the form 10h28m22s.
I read 10h35m17s
